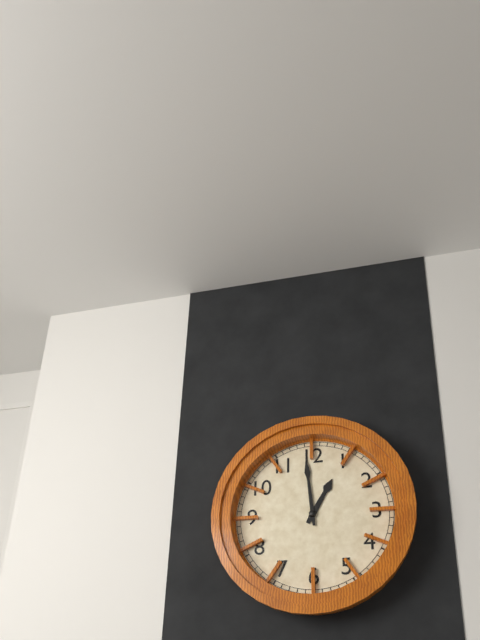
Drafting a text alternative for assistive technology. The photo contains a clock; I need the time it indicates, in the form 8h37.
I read 12h59
